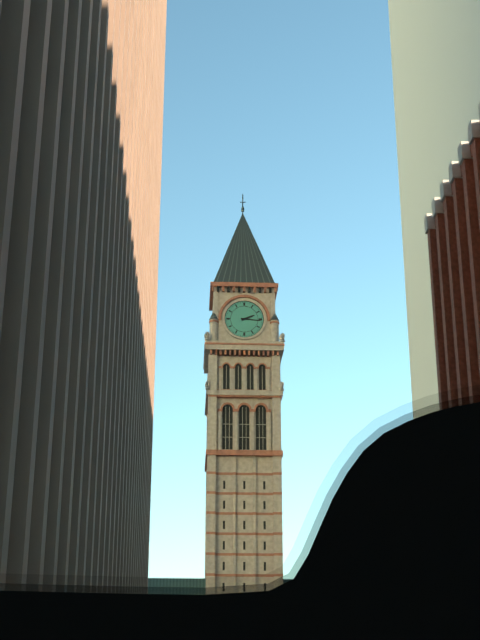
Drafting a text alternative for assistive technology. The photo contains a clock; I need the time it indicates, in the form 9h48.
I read 2h16
